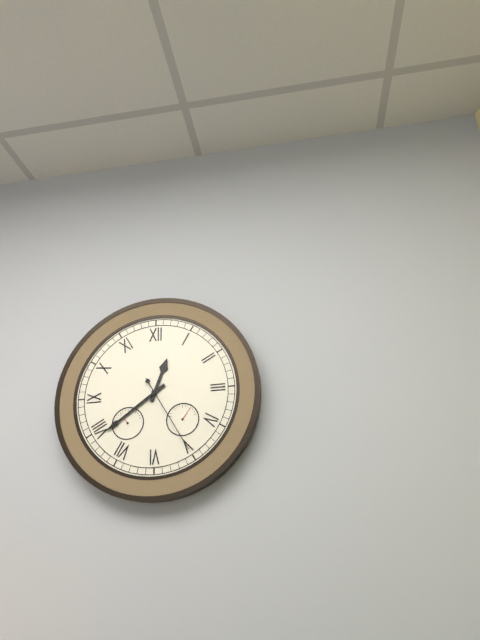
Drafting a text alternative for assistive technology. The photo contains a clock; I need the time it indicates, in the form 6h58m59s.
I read 12h39m25s
